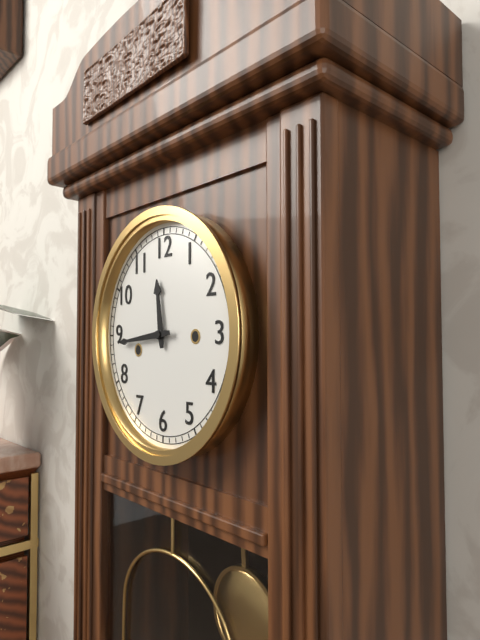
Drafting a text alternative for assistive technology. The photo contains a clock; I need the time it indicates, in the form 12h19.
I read 11h44
